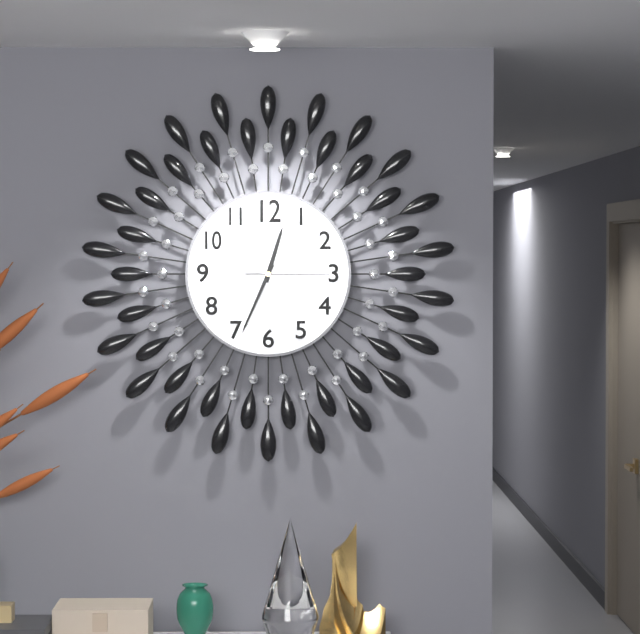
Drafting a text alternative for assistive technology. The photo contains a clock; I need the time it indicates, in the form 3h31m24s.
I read 12h34m15s
